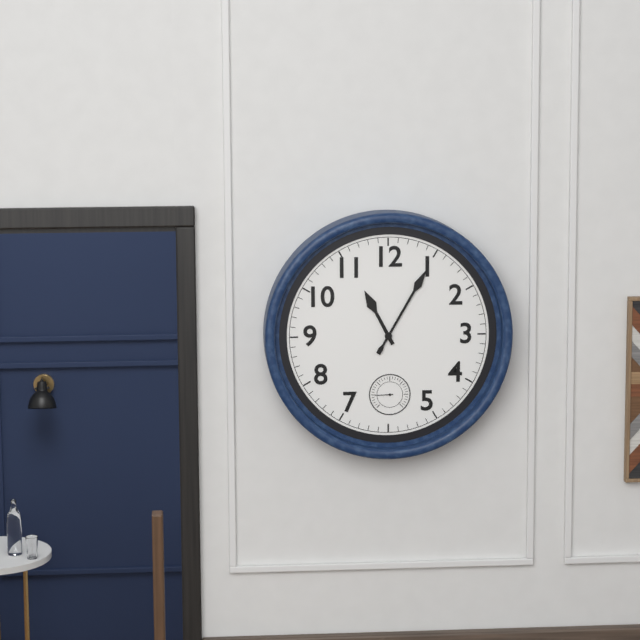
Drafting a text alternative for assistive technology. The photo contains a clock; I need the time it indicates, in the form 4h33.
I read 11h05
